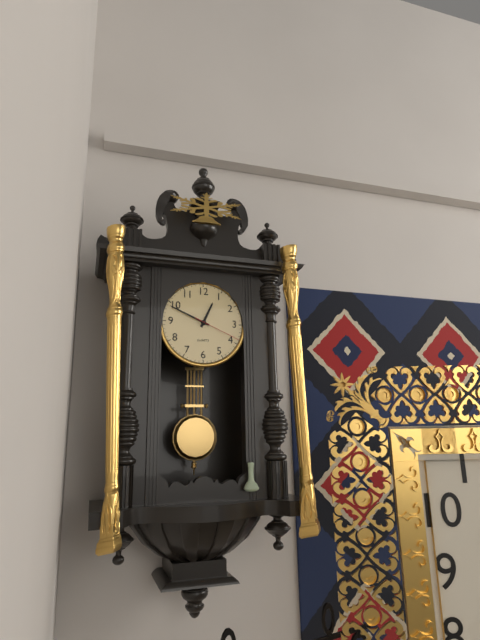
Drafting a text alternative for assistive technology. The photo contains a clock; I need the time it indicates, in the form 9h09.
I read 12h49
